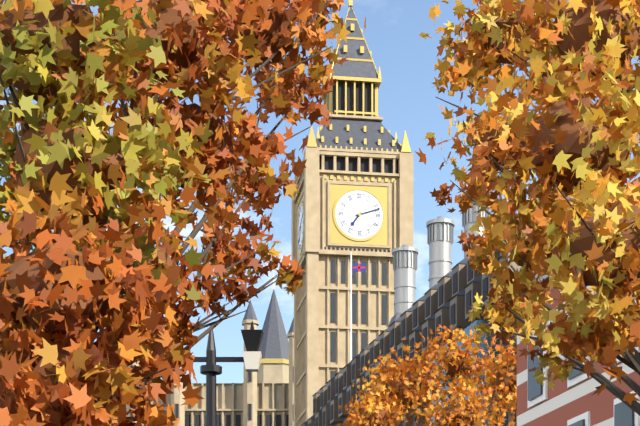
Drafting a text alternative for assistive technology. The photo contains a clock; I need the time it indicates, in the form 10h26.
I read 7h12
